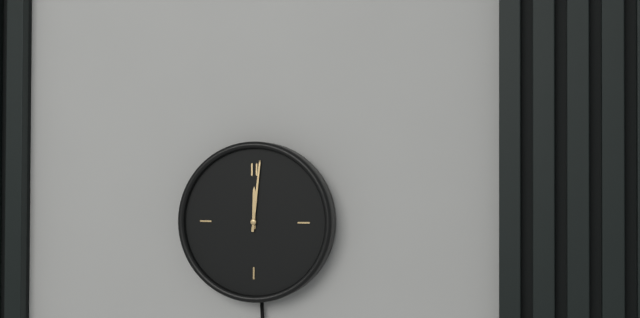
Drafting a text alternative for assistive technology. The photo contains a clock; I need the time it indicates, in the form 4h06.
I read 12h01
